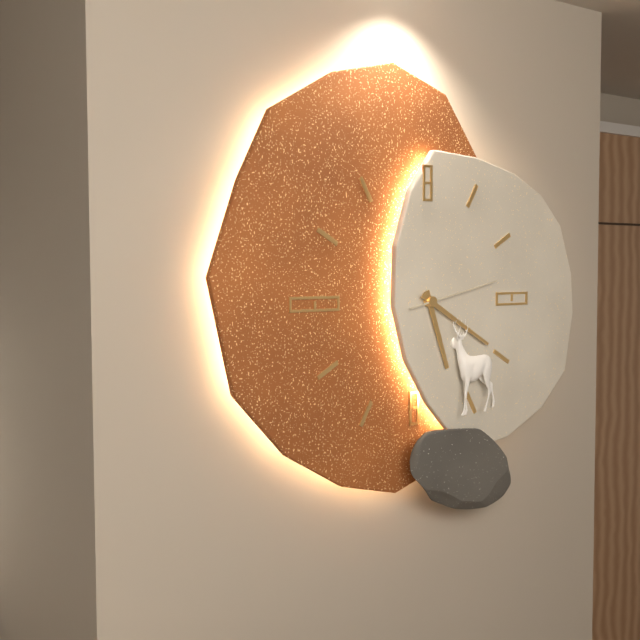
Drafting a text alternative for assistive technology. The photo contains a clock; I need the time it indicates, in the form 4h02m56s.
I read 5h20m13s
